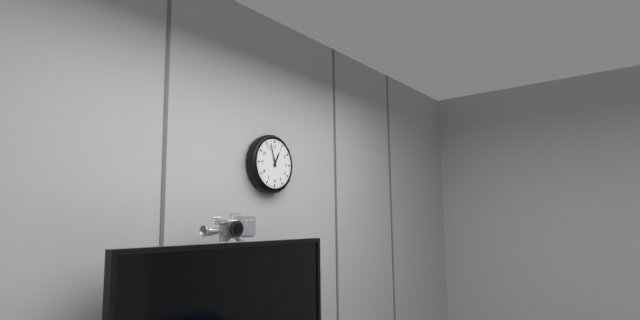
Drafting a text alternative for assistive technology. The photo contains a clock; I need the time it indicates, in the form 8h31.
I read 12h57
